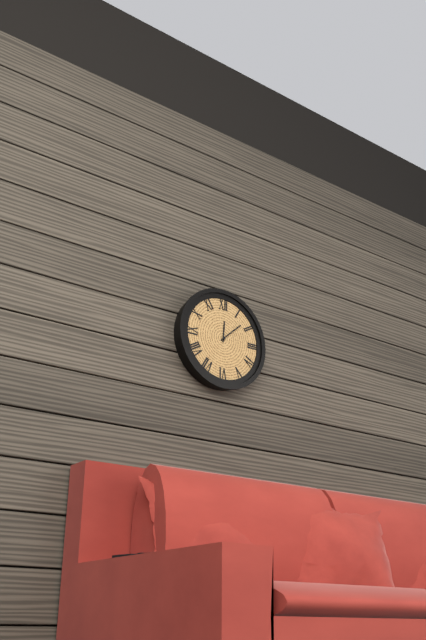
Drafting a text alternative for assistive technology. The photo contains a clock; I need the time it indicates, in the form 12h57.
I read 12h08
